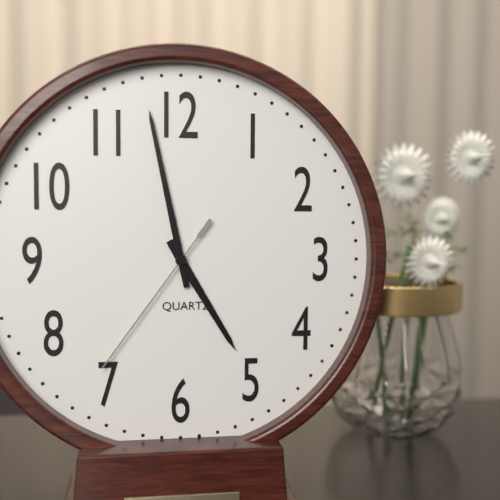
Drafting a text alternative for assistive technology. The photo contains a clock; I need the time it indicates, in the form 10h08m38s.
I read 4h58m36s
